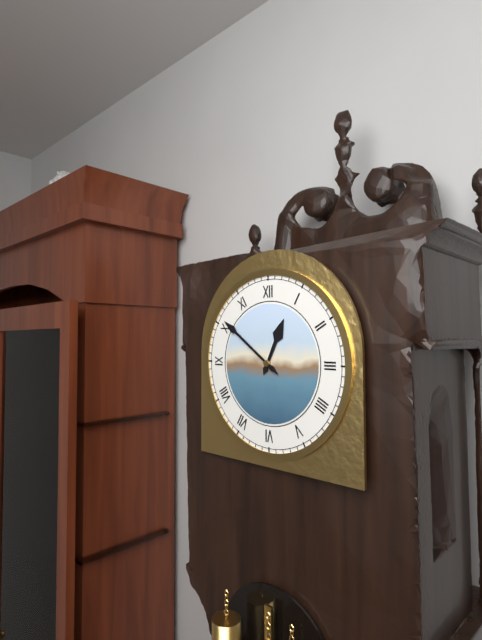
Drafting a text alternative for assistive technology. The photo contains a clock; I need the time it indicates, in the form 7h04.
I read 12h51
